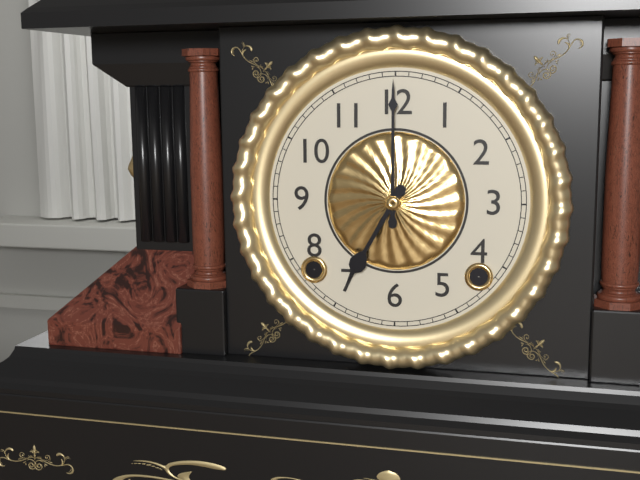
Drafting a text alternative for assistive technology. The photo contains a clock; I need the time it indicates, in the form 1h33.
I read 7h00
